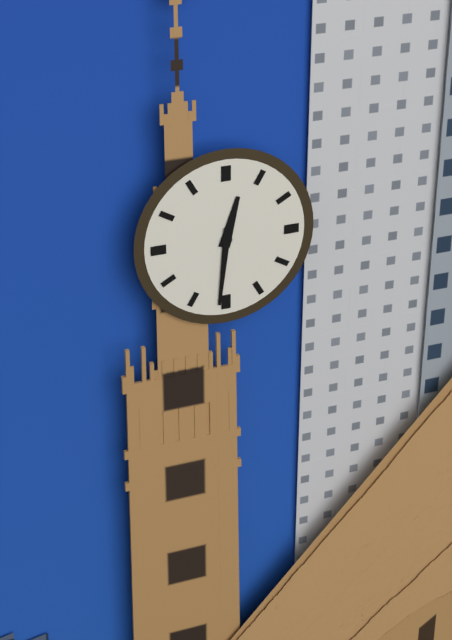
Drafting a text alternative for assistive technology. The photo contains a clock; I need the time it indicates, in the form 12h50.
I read 12h31
